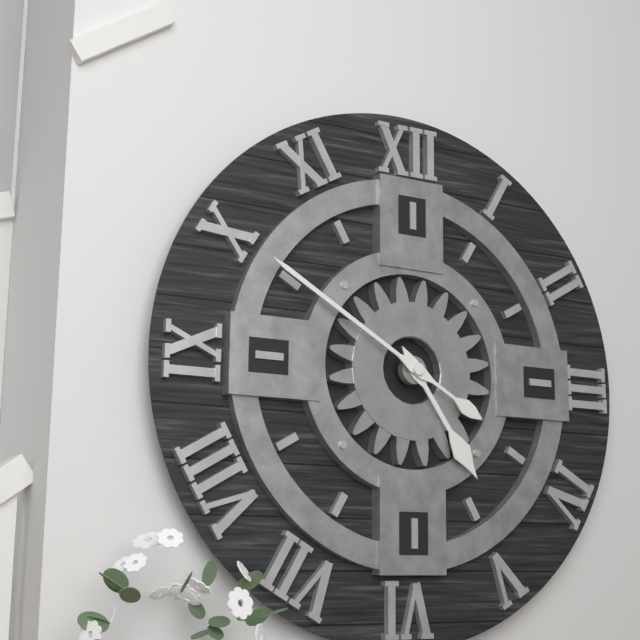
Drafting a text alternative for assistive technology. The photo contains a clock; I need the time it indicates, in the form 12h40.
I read 4h50
